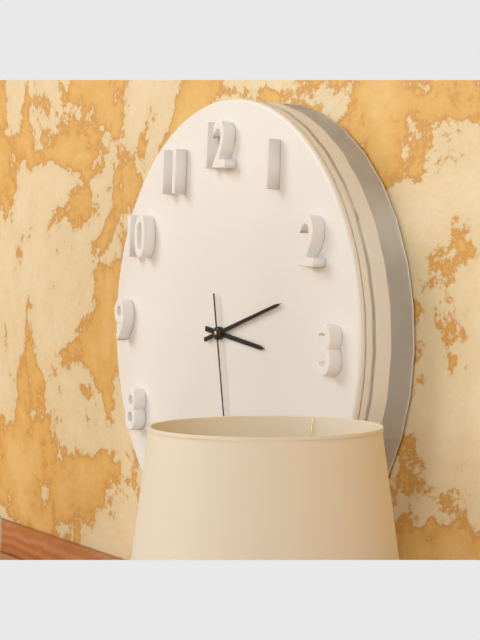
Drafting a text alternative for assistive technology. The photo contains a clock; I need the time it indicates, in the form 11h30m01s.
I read 3h12m28s
